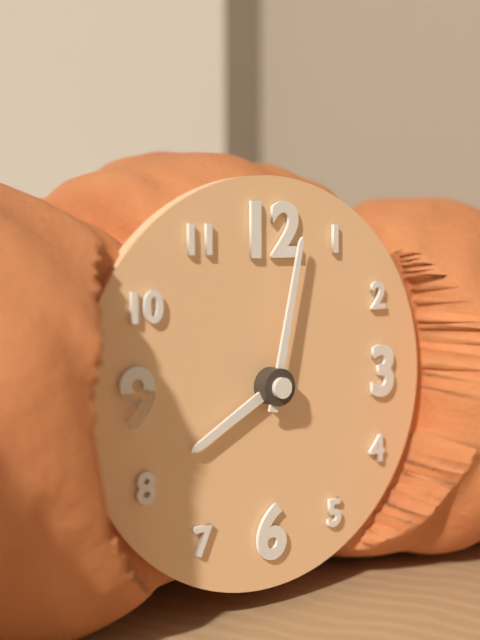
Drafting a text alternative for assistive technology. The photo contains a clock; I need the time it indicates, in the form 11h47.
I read 8h02
